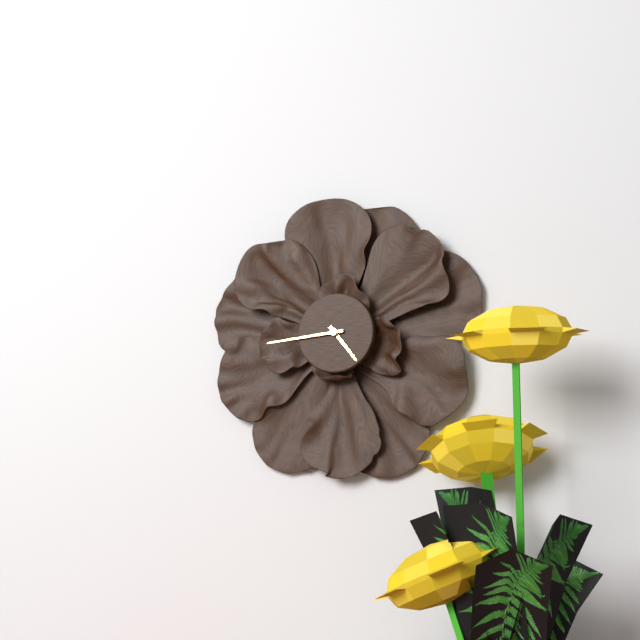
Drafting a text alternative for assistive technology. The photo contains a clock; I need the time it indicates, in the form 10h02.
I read 4h44
